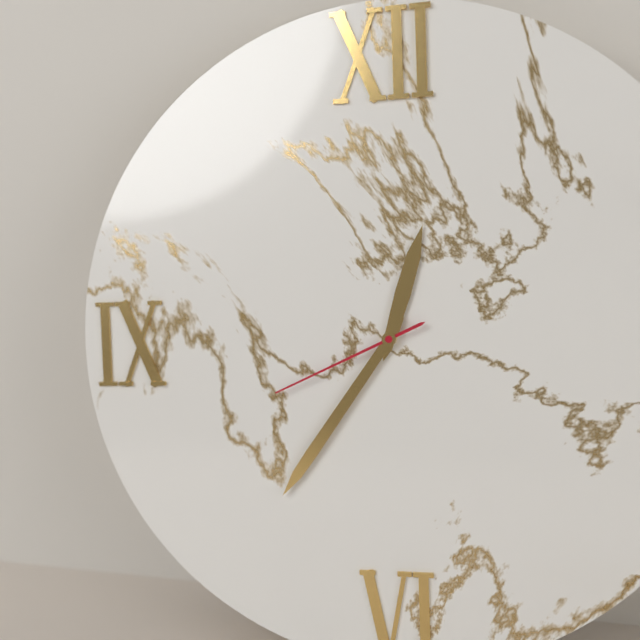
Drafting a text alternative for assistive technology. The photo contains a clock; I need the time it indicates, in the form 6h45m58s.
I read 12h36m41s
